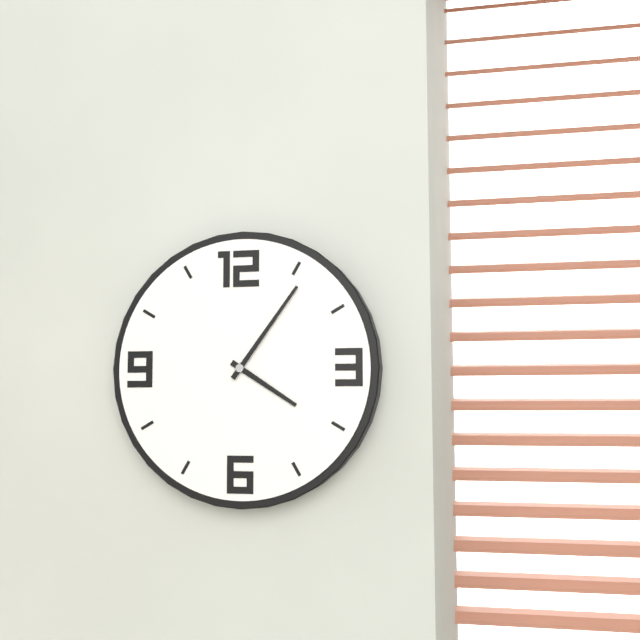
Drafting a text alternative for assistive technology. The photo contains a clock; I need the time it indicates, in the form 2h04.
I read 4h06
